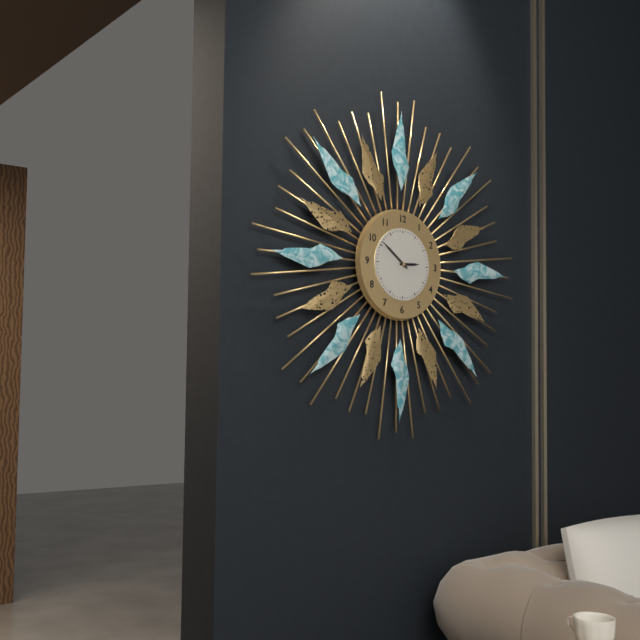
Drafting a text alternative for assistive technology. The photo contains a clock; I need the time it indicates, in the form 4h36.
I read 2h51
